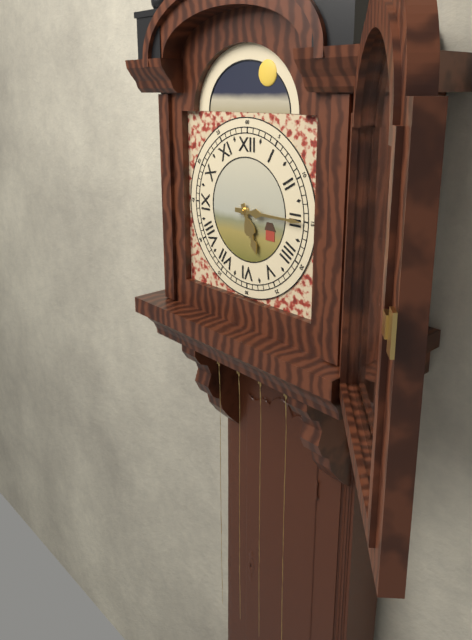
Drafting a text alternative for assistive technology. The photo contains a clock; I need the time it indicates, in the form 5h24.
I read 5h15
